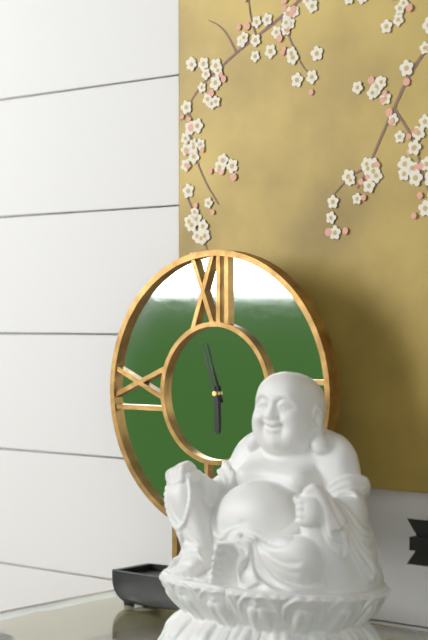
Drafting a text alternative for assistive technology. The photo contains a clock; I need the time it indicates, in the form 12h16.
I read 5h57
